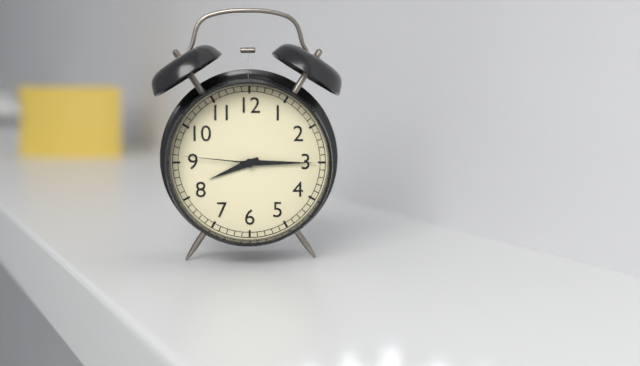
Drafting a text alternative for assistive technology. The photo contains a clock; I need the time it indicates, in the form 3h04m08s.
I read 8h15m46s
